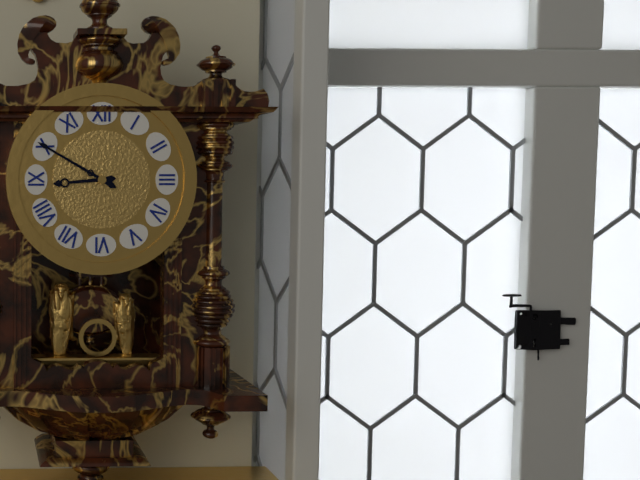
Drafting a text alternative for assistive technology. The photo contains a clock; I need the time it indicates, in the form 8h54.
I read 8h50
